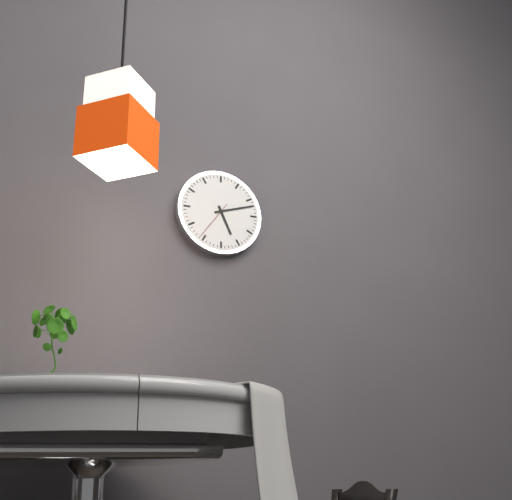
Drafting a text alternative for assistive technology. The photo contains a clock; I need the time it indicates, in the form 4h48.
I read 5h12
